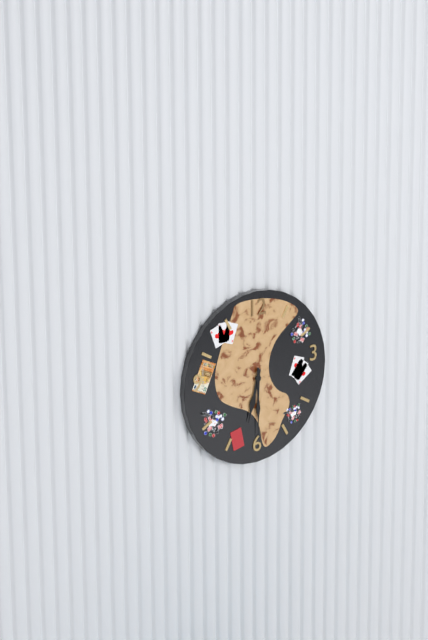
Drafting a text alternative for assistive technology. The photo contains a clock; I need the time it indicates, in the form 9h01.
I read 6h30
